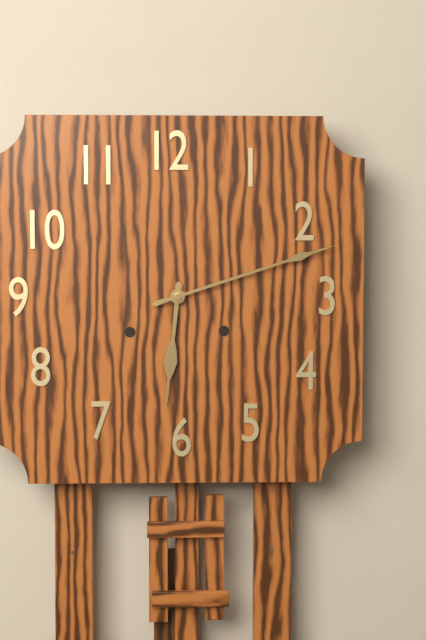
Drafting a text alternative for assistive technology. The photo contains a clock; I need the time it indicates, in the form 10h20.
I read 6h12
